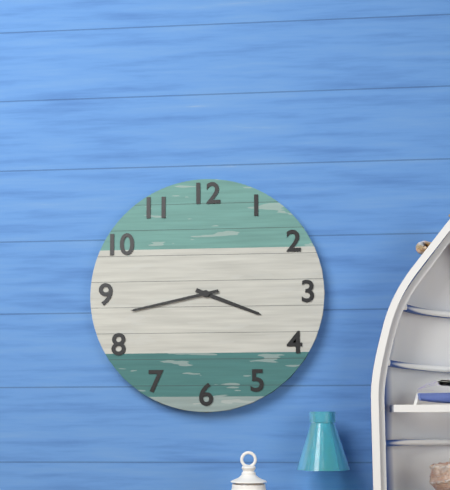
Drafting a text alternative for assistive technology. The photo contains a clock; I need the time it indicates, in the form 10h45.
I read 3h43
